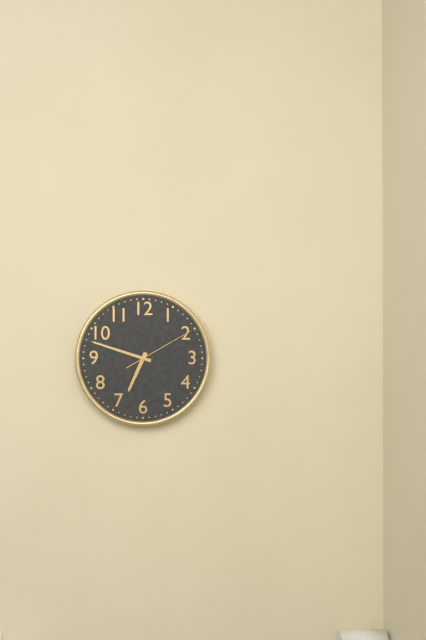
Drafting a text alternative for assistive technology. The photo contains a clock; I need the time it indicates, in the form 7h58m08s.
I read 6h48m10s
